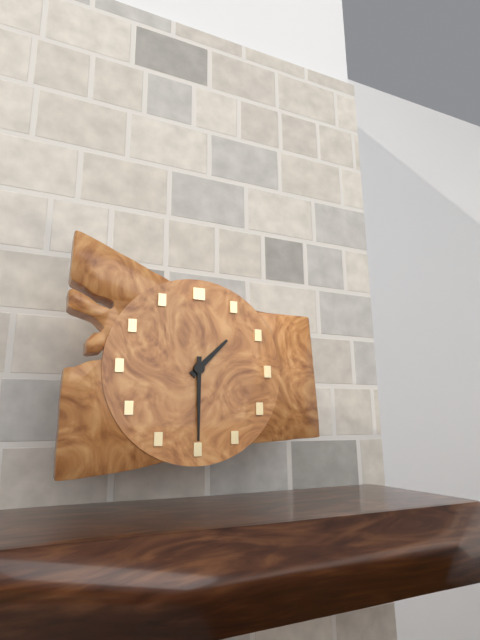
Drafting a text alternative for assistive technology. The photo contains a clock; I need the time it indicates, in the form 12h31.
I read 1h30
